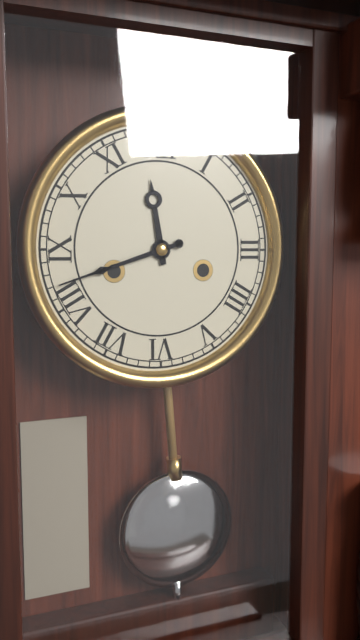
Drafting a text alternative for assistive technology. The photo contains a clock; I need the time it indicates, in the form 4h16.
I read 11h42
